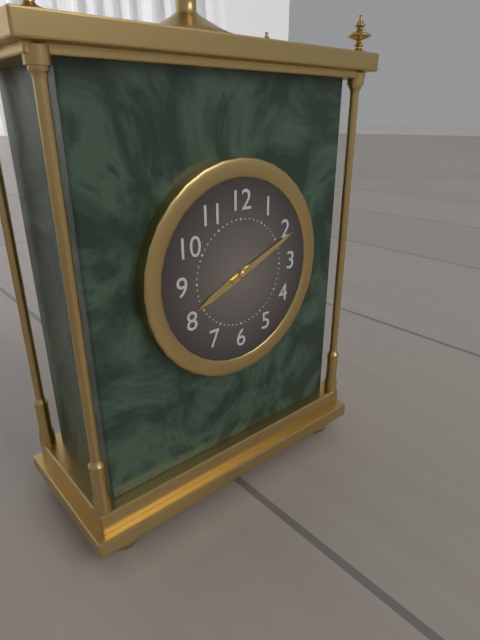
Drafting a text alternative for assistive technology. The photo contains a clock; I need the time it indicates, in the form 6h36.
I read 8h11
